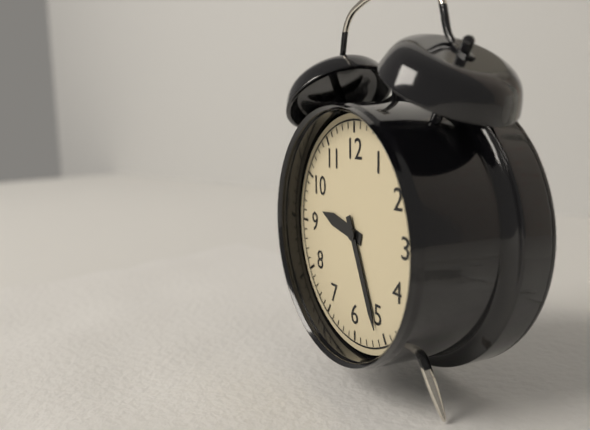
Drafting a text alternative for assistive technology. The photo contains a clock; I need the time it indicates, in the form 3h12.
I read 9h26
